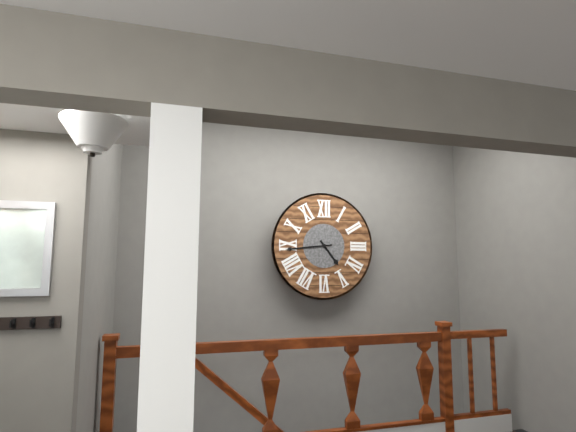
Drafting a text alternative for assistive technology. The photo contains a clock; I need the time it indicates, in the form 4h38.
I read 4h44
